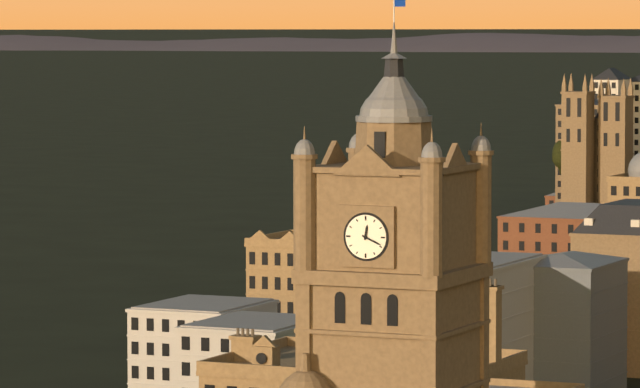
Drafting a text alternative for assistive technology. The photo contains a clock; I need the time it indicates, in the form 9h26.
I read 12h19
